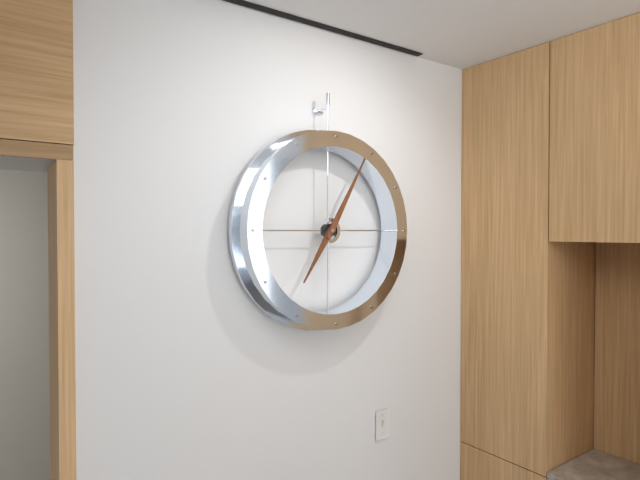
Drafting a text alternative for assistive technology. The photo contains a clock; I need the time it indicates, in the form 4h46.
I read 7h05
